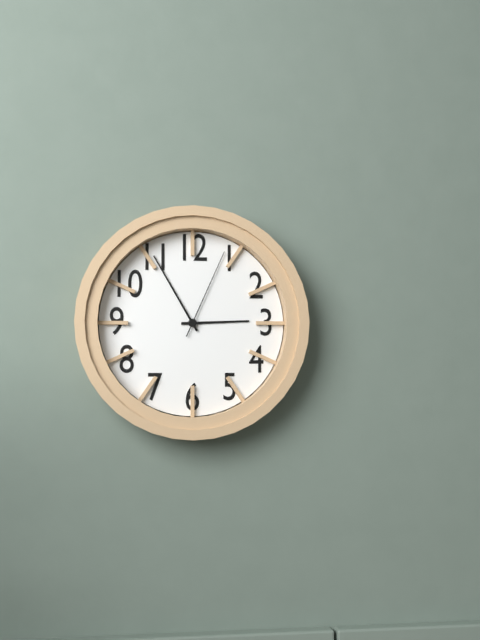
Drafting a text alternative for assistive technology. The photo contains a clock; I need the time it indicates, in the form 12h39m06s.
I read 2h55m04s
